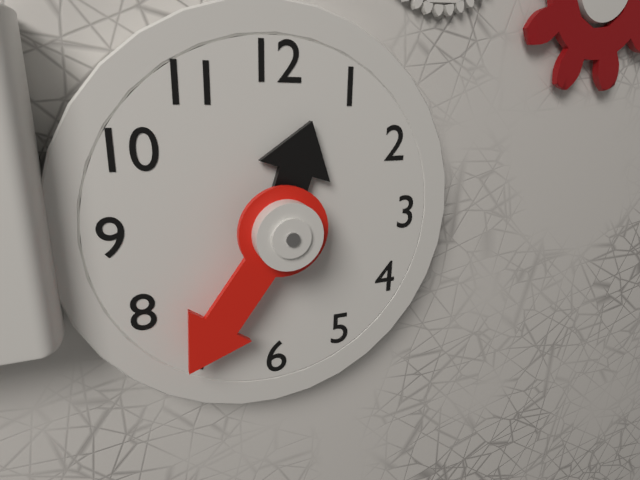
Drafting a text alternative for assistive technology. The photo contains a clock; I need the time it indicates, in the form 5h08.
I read 12h36
